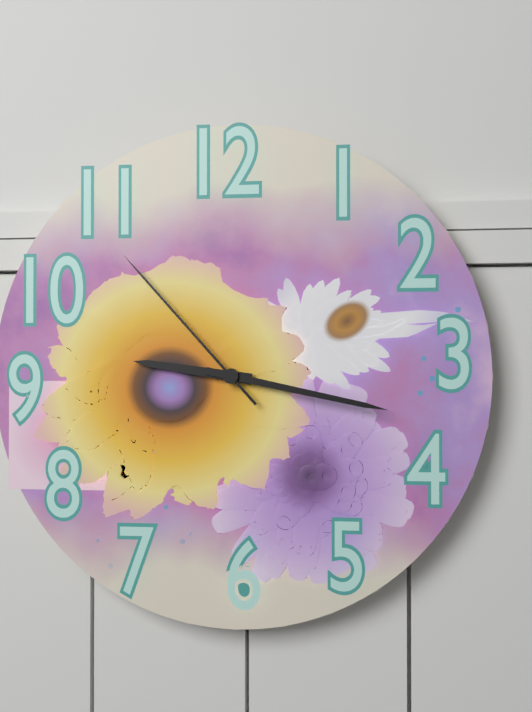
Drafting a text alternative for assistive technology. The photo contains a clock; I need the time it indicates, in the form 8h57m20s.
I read 9h17m53s
